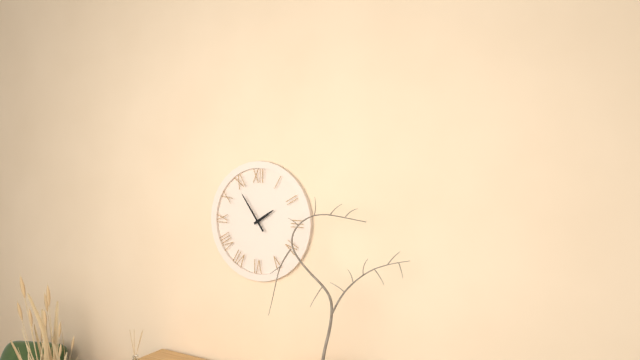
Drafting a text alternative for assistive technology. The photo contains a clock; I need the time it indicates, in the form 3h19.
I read 1h54
